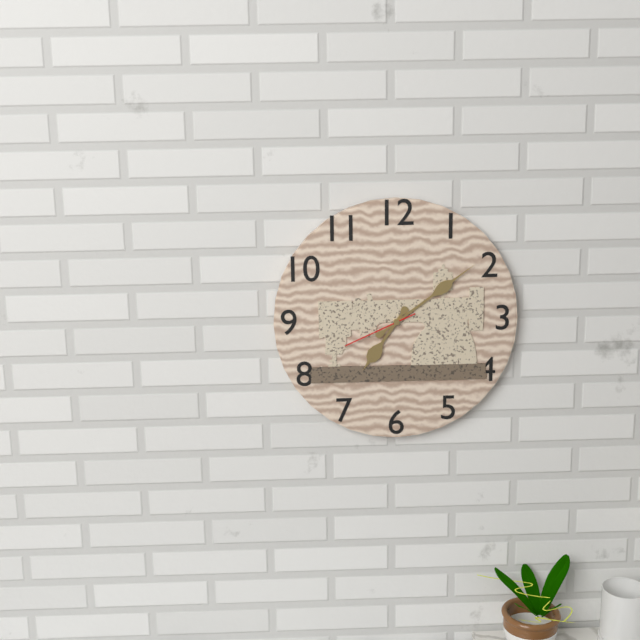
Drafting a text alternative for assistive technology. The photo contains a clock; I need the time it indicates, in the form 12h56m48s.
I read 7h09m41s
